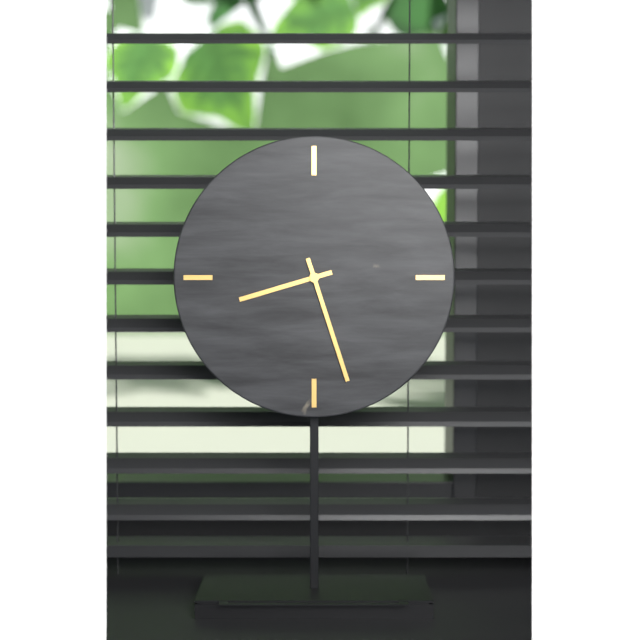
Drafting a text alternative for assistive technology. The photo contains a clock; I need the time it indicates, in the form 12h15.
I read 8h27
